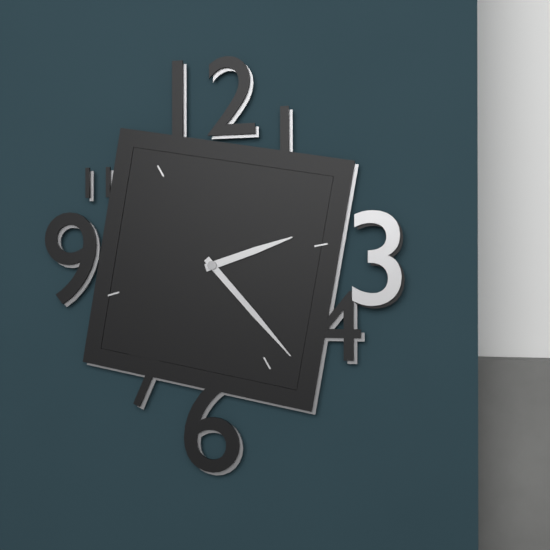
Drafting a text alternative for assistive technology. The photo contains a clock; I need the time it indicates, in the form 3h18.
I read 2h23
